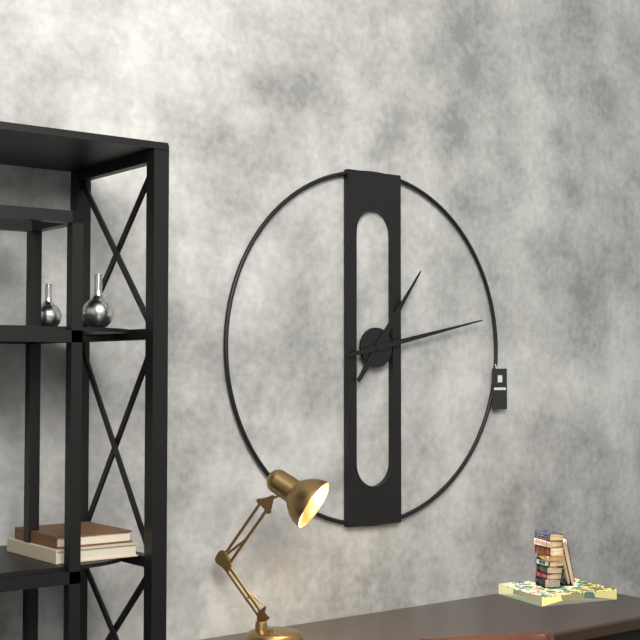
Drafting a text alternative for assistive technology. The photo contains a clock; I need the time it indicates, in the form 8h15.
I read 1h13
